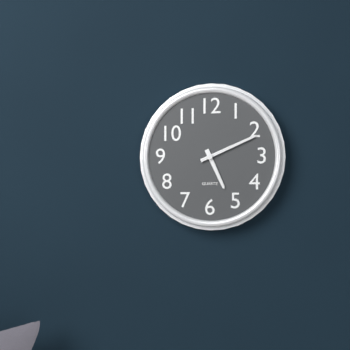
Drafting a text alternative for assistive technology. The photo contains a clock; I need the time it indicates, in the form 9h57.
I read 5h11
